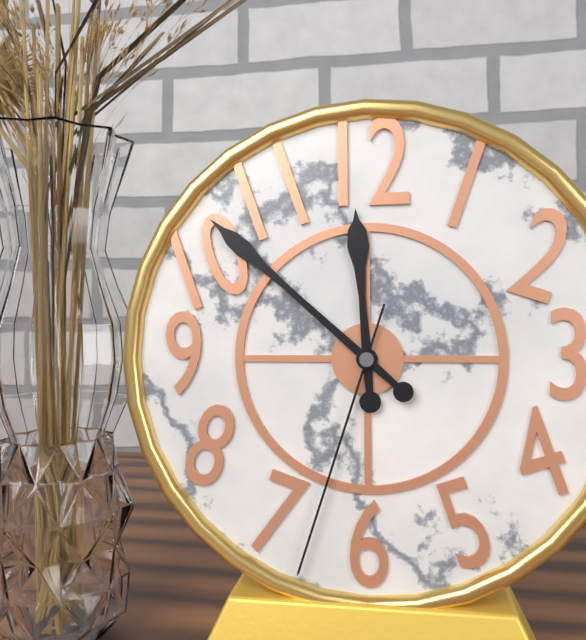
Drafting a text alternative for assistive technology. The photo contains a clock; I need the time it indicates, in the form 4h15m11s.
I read 11h52m33s
